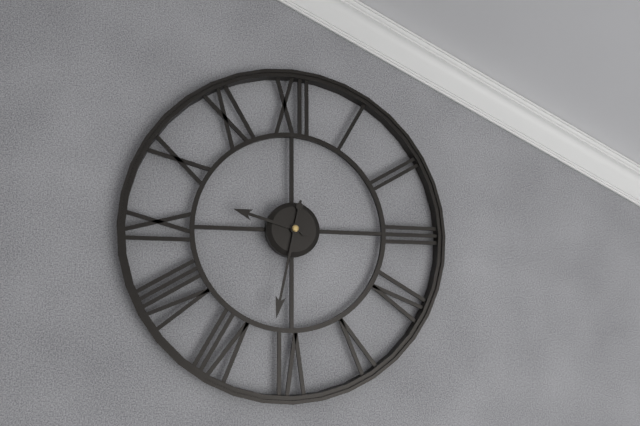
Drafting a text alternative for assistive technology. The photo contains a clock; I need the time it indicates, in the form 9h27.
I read 9h32
